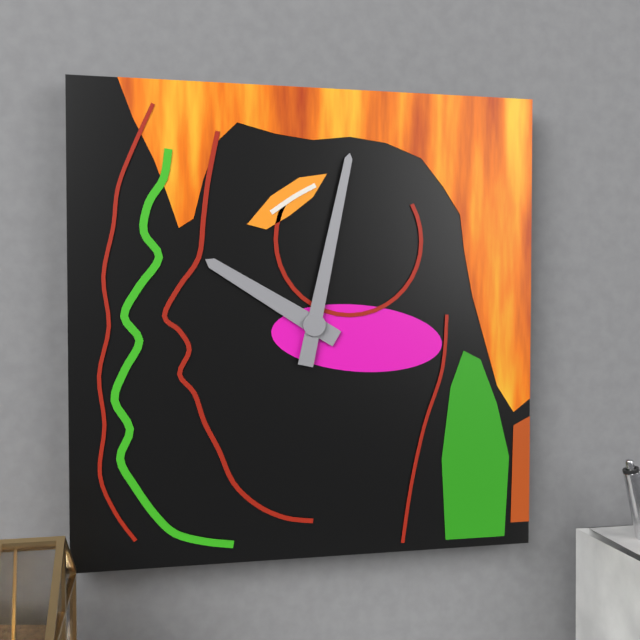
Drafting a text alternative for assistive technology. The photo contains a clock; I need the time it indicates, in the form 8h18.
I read 10h02
